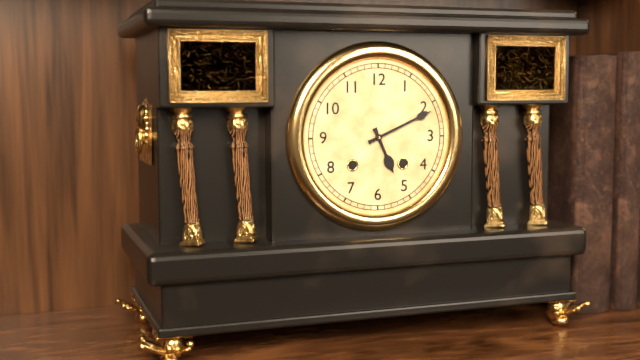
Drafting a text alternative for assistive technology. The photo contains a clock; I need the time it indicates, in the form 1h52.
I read 5h11
